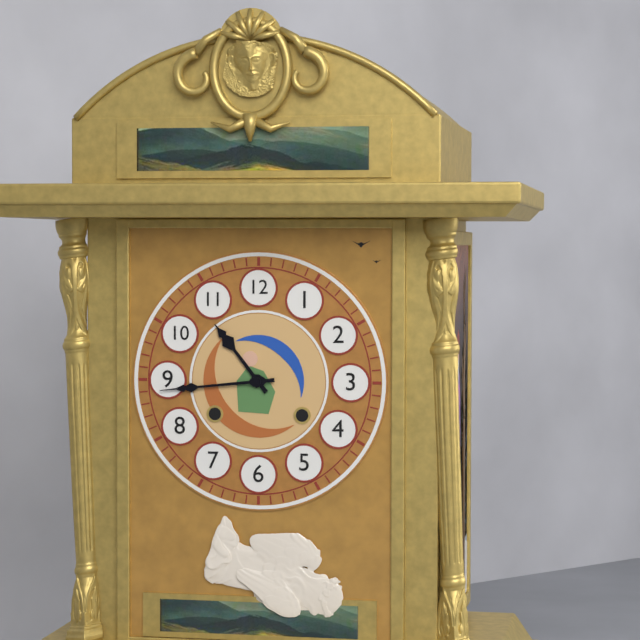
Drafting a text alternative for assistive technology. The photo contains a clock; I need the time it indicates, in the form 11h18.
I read 10h44
